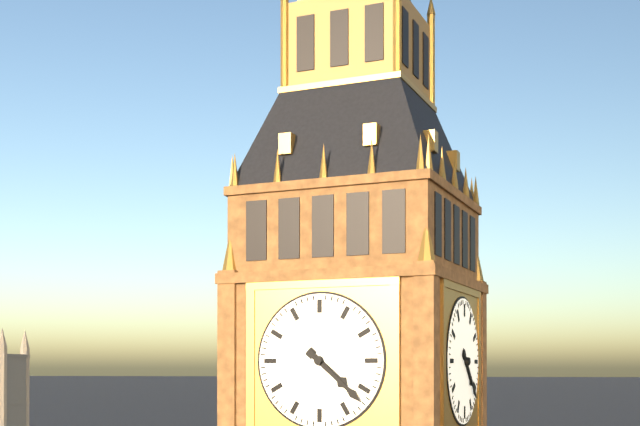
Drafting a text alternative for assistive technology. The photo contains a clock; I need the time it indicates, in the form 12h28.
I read 4h22
